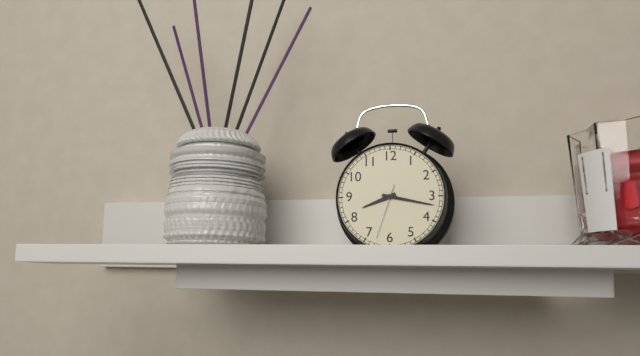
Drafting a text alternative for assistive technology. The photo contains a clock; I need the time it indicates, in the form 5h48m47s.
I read 8h17m33s
